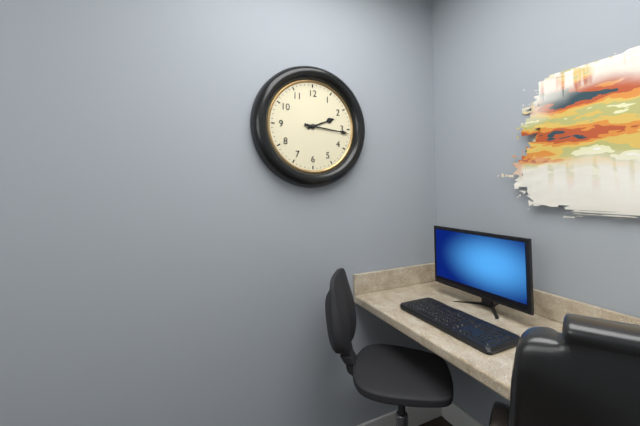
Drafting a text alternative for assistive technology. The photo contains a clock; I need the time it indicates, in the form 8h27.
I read 2h16
